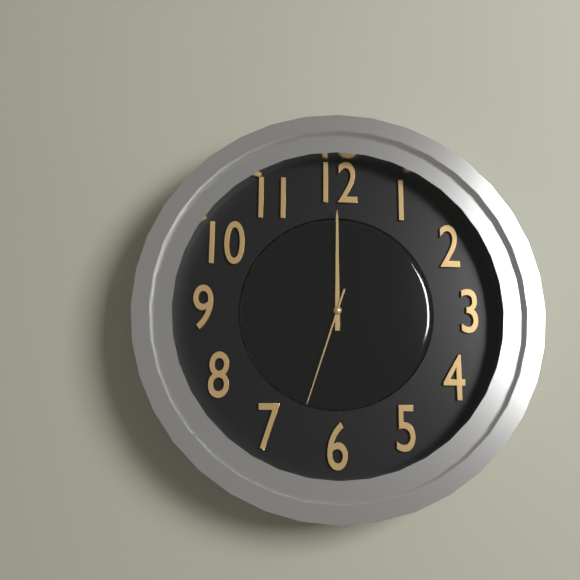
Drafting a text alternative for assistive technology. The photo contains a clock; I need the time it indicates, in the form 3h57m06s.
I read 12h00m33s
